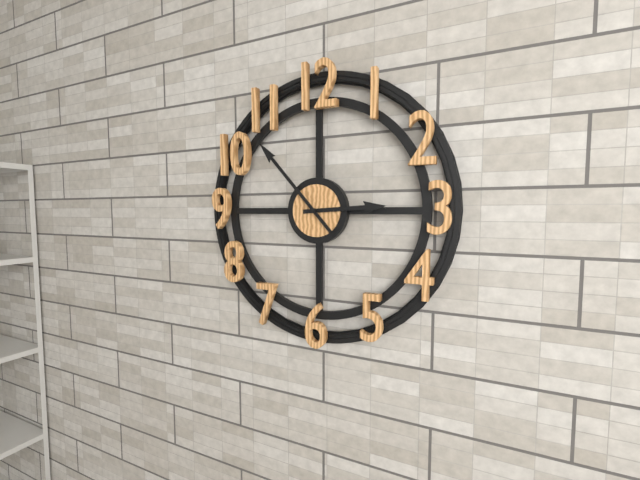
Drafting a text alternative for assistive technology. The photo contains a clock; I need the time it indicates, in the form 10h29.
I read 2h53
